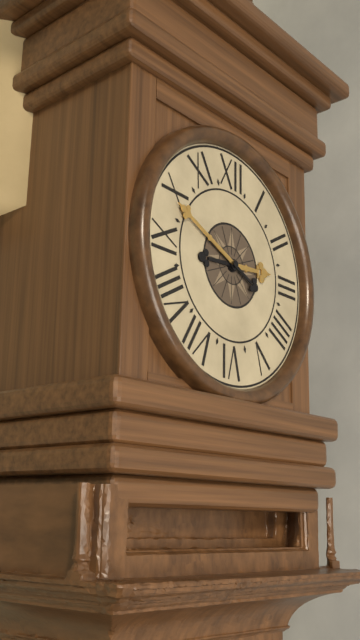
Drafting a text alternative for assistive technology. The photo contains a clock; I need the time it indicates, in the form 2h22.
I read 2h49
